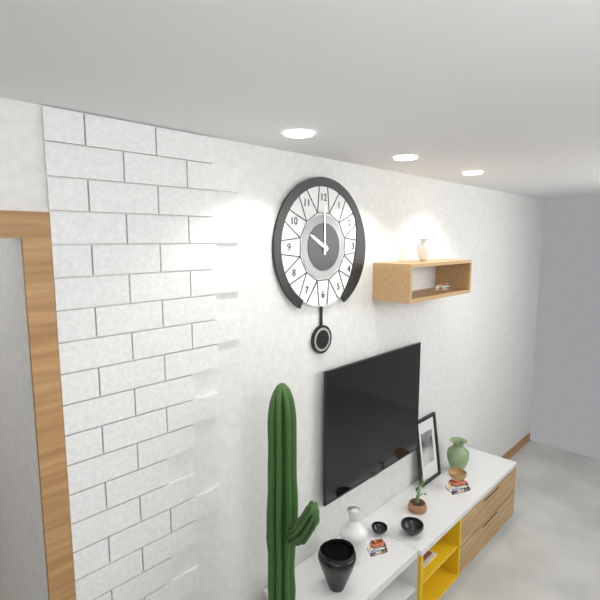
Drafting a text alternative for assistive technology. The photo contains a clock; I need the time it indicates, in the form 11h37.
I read 10h00
